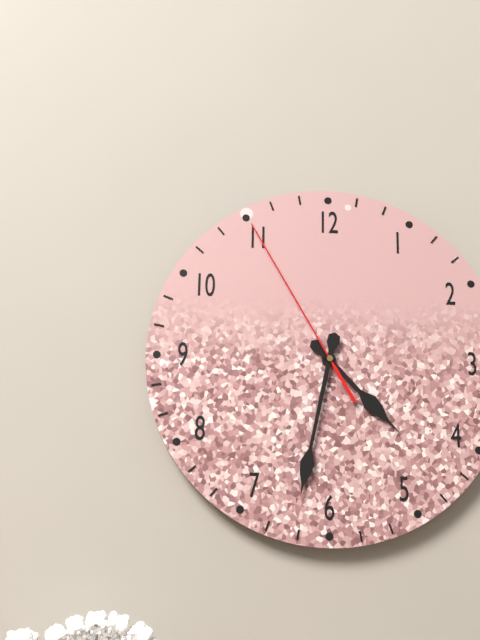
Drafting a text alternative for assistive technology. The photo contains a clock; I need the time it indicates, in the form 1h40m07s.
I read 4h32m55s
